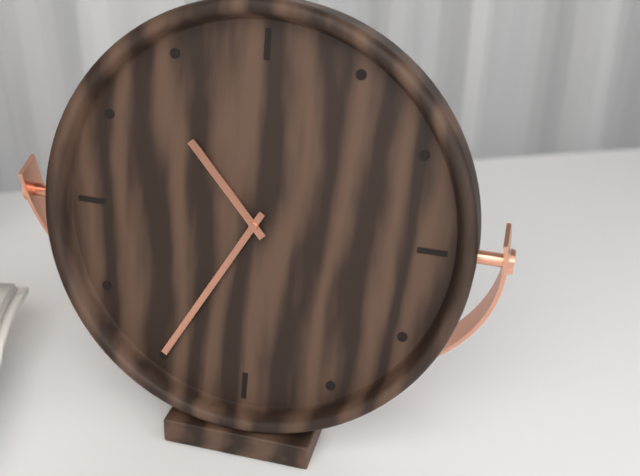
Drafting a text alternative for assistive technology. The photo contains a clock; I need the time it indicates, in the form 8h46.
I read 10h35
